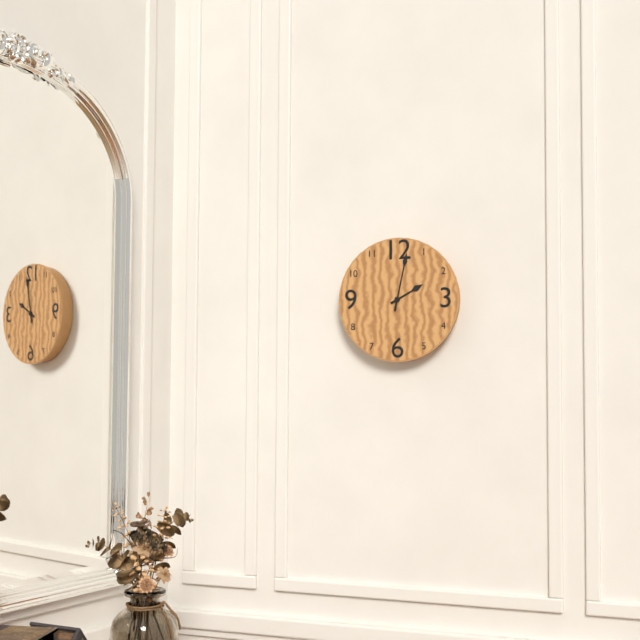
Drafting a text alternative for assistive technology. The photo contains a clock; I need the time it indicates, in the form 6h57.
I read 2h02
